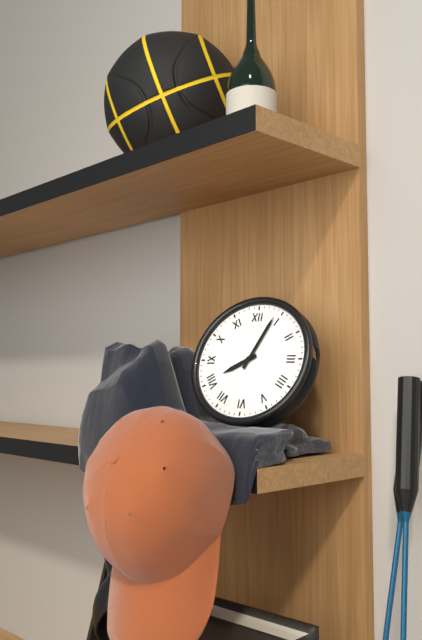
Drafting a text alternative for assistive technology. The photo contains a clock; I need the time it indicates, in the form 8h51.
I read 8h04
